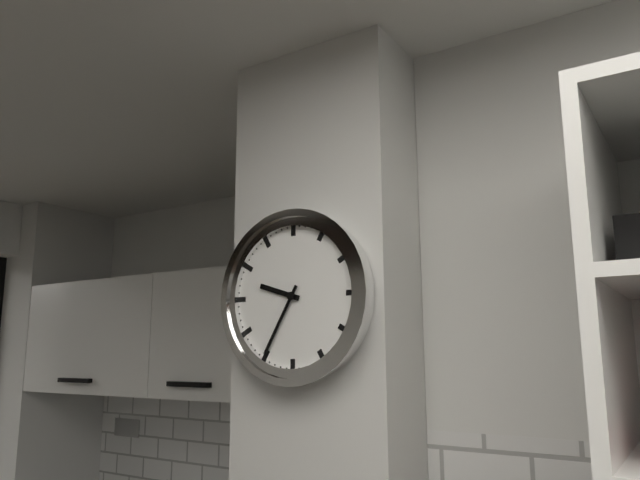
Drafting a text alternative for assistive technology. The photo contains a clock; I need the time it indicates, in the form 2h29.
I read 9h35
